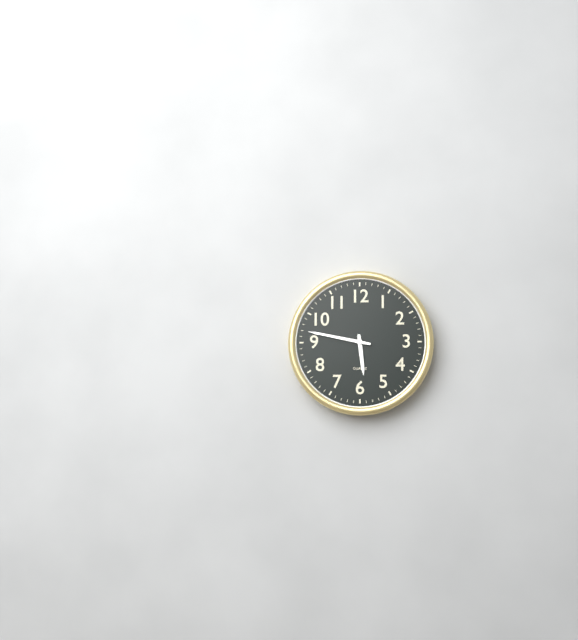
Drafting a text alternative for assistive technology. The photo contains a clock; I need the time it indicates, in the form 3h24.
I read 5h47
